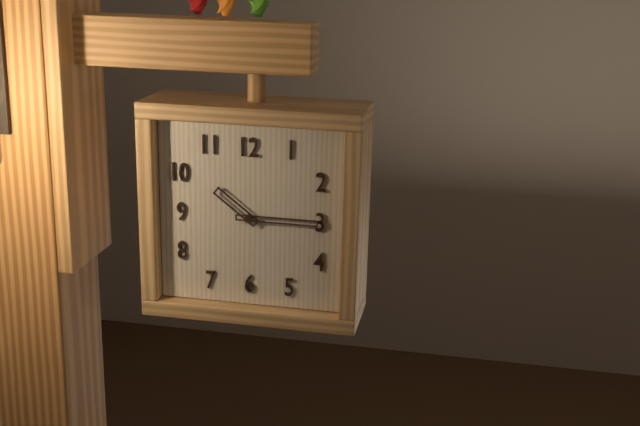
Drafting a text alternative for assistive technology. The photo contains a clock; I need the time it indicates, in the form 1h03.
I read 10h15
